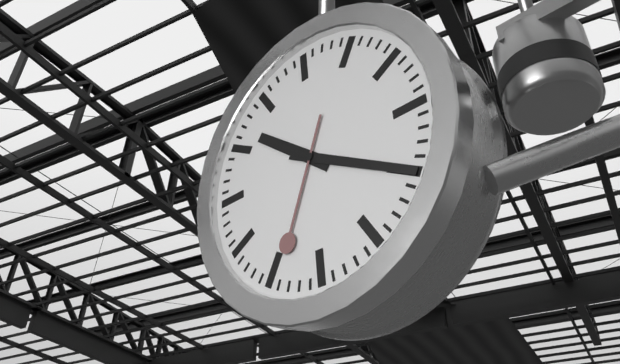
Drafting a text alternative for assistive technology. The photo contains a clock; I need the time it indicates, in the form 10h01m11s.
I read 10h20m34s
